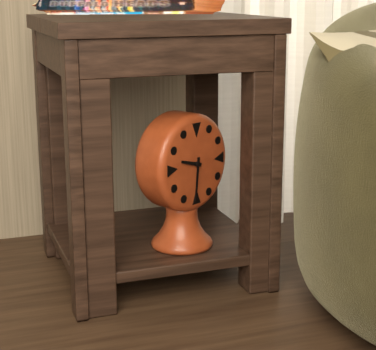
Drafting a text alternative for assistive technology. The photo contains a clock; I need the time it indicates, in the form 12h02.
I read 9h31
